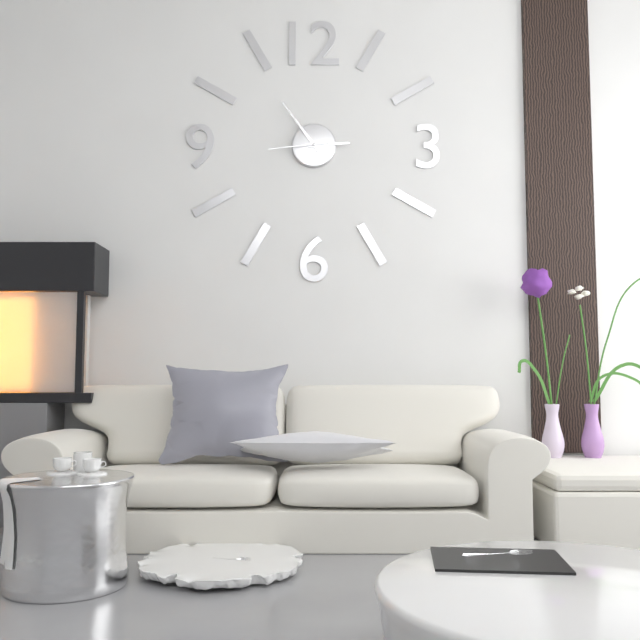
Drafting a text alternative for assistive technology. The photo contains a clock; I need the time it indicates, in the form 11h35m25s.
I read 2h54m44s
